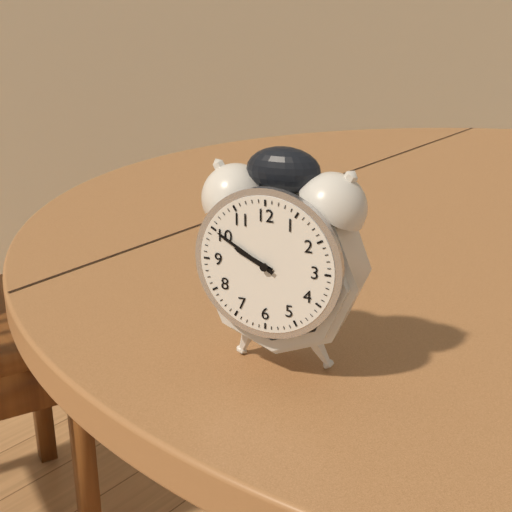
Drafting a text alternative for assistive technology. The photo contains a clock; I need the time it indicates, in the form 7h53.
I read 9h50
